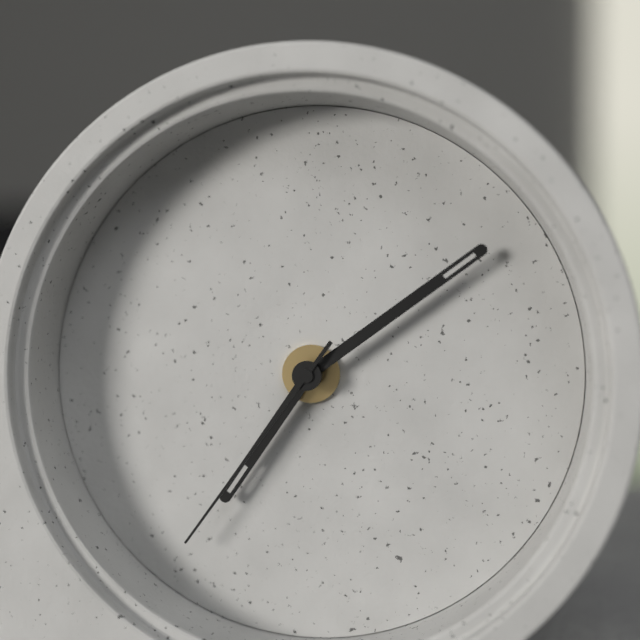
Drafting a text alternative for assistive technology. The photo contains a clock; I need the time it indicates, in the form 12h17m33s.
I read 7h09m36s
